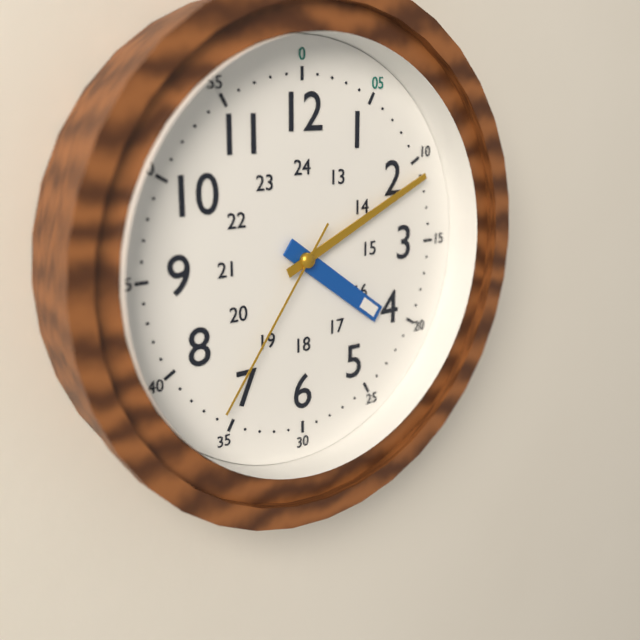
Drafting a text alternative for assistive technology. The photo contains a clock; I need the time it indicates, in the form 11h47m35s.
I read 4h11m36s
